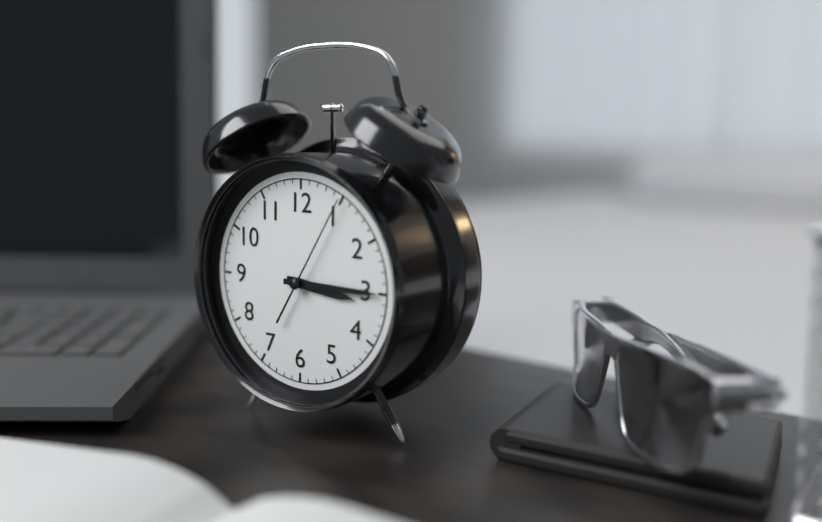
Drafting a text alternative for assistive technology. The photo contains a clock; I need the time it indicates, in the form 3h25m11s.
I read 3h15m05s
